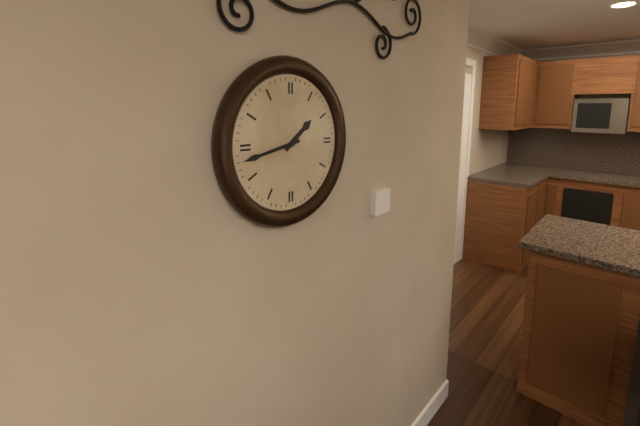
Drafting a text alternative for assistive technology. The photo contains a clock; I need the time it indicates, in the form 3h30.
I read 1h43
